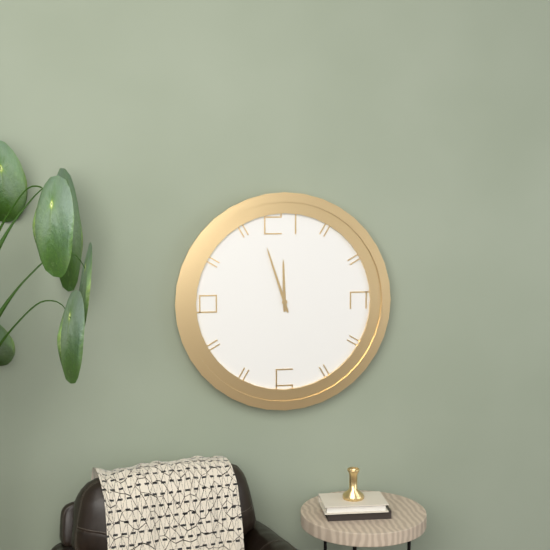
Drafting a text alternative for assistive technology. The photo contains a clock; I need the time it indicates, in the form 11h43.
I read 11h57
